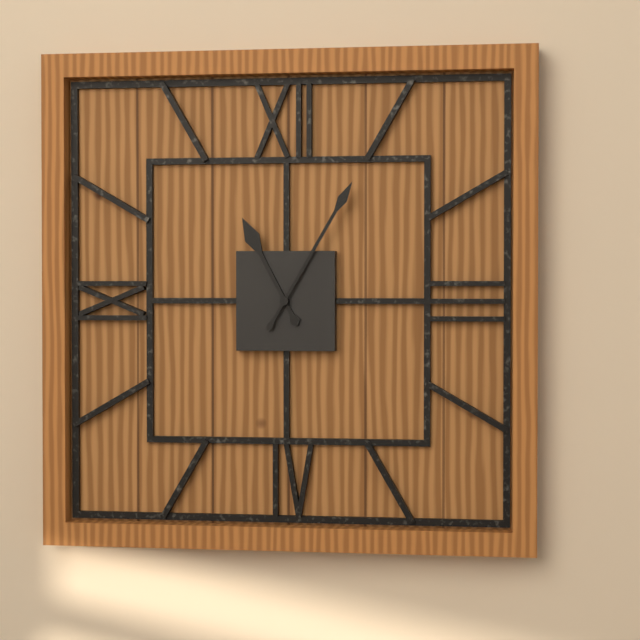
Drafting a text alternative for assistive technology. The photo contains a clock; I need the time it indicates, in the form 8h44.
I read 11h05
